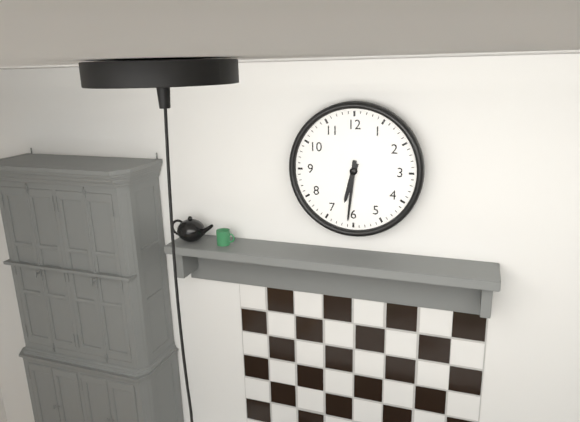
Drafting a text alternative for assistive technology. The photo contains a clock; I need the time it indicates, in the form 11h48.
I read 6h31
